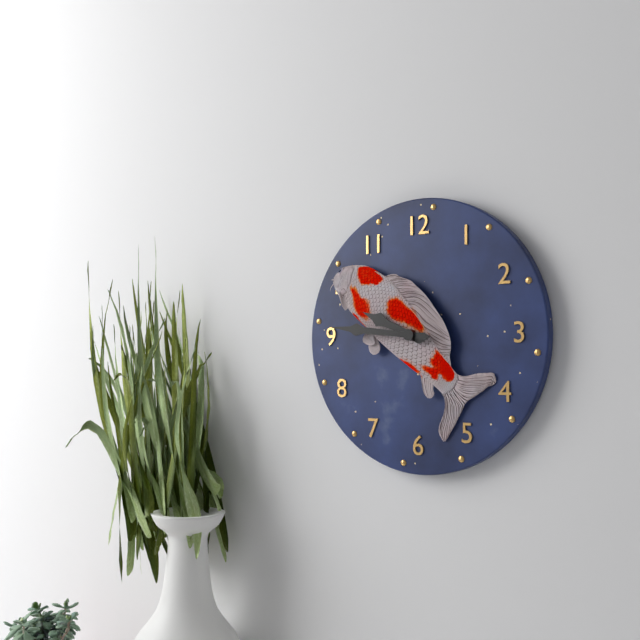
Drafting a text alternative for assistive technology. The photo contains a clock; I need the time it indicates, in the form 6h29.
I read 9h46
